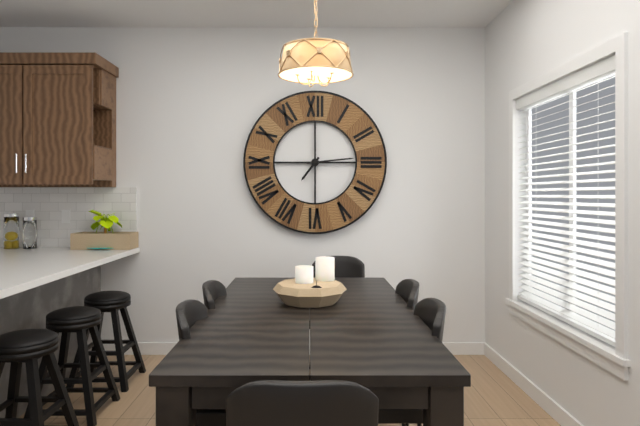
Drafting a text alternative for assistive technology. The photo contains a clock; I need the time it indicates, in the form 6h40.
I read 7h14
